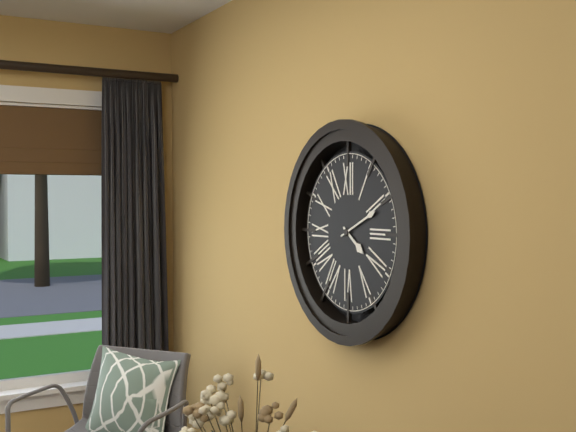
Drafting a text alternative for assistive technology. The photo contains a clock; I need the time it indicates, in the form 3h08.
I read 4h11
